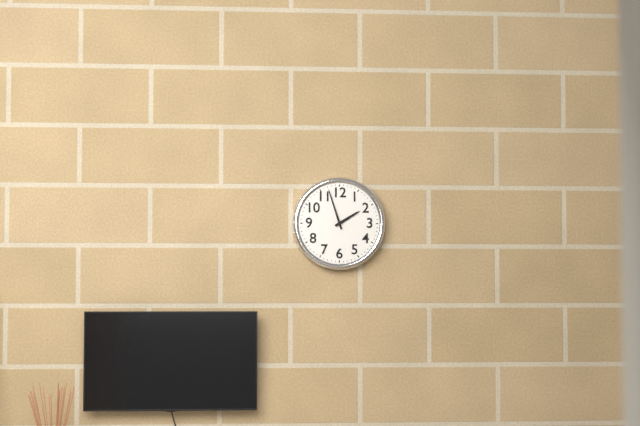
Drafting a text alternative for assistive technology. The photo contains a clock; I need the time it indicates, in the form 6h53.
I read 1h57
